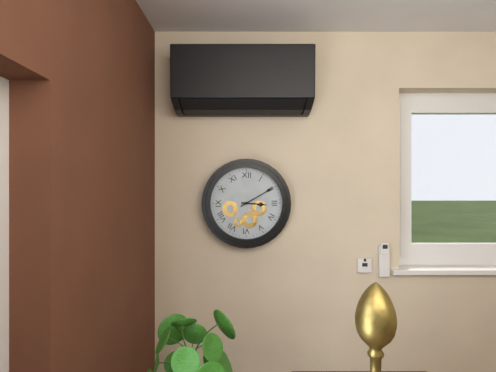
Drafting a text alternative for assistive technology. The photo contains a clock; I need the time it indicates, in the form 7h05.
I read 3h10
